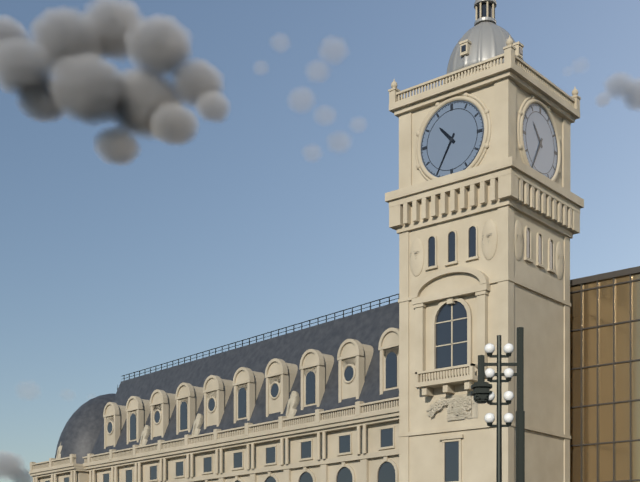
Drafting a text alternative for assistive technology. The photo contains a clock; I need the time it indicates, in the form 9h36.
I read 10h35
